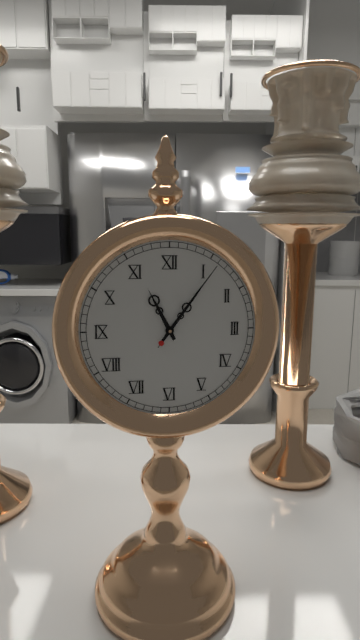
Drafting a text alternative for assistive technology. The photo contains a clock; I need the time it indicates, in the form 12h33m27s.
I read 11h06m06s
